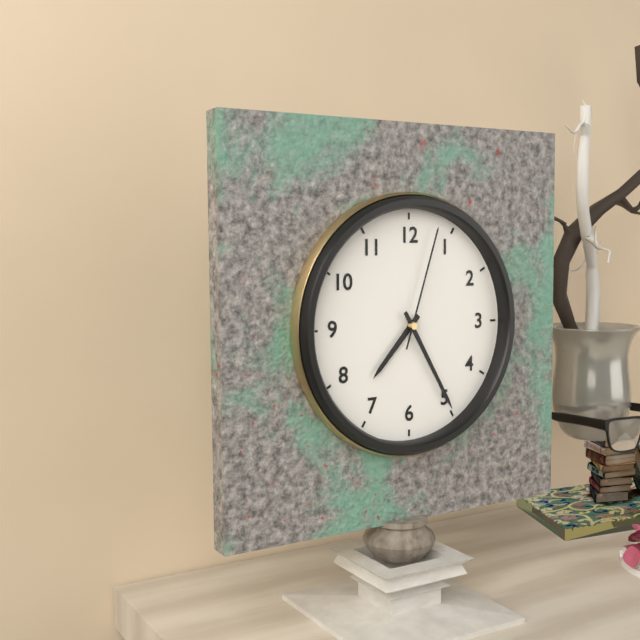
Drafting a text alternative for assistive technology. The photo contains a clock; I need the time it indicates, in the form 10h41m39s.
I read 7h25m03s
